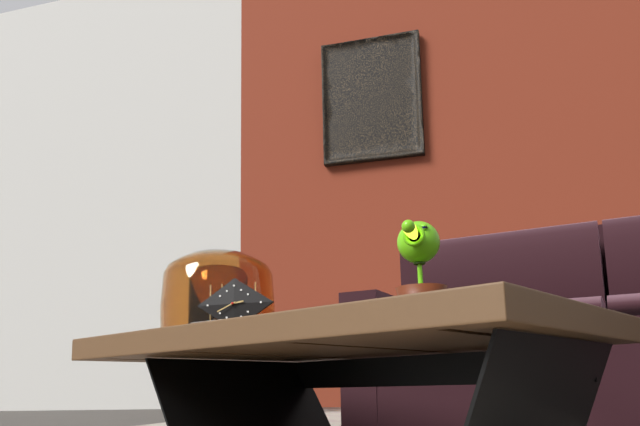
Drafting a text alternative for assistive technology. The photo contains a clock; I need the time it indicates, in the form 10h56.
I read 2h41
